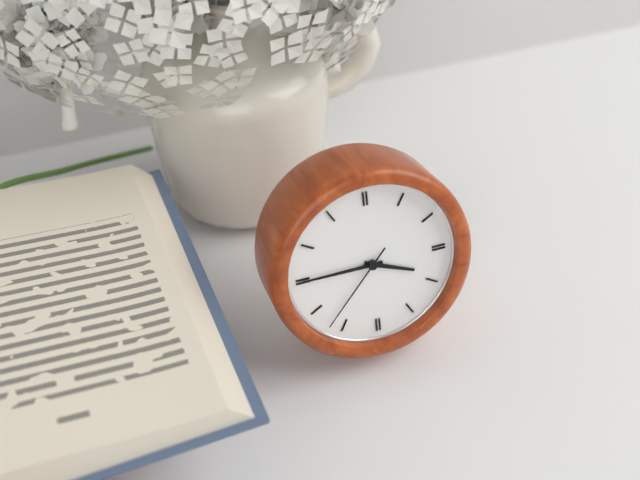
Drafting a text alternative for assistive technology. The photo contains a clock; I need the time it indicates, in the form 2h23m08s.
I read 3h45m37s
